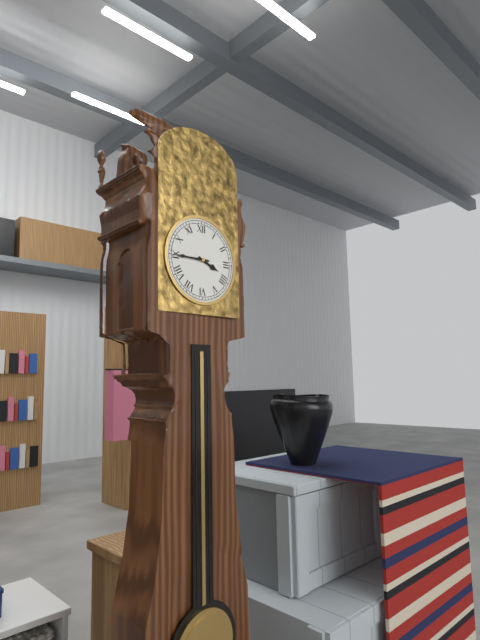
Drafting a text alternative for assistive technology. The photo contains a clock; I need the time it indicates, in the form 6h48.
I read 3h45
